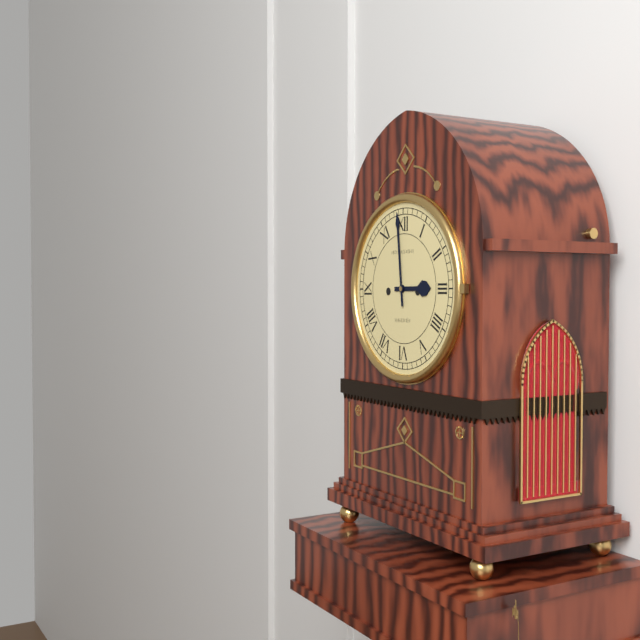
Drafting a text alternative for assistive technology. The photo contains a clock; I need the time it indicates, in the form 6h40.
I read 2h59
